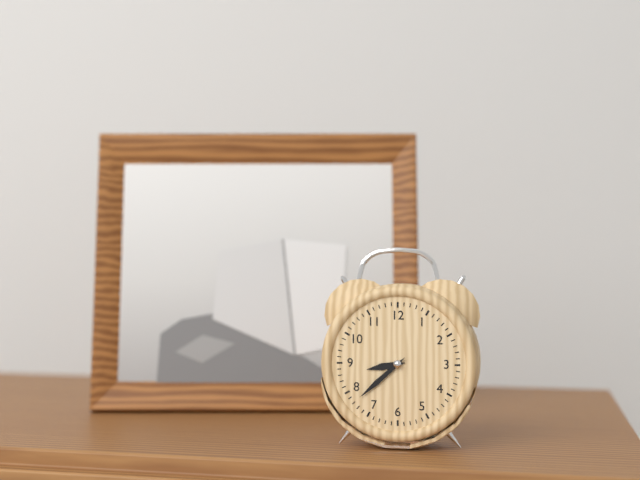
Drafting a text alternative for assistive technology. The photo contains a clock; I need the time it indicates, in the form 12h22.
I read 8h38
